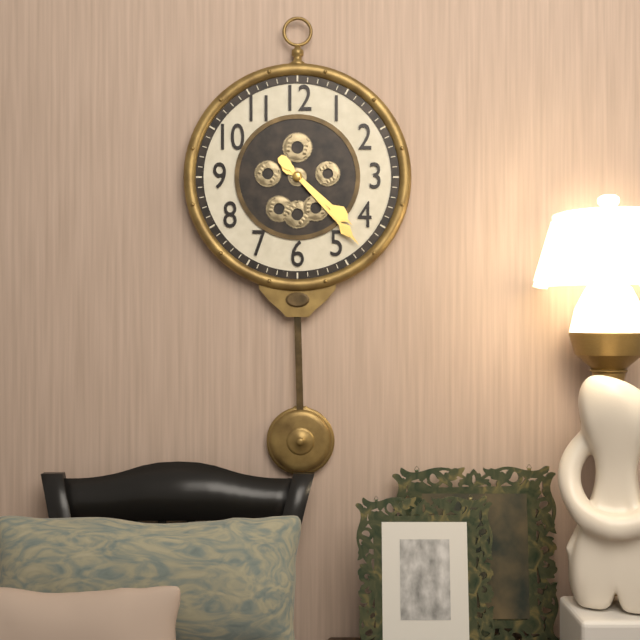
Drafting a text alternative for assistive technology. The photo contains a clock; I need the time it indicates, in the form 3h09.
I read 4h23
